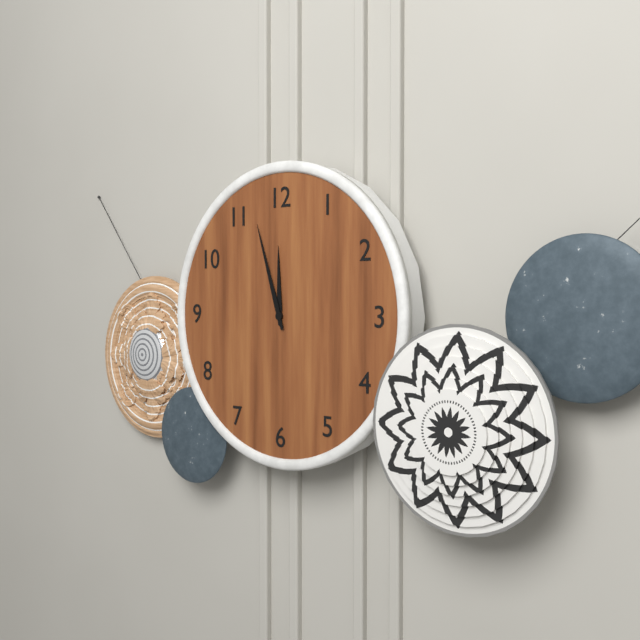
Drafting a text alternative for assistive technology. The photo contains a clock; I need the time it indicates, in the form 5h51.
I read 11h57
